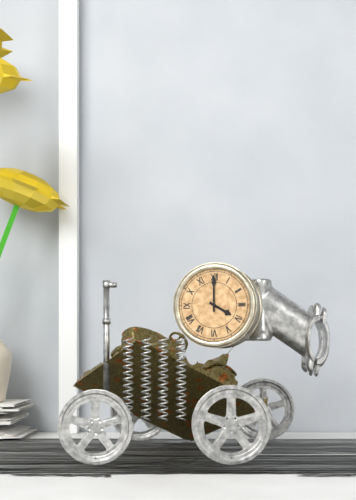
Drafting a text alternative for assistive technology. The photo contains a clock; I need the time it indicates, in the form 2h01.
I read 4h00
